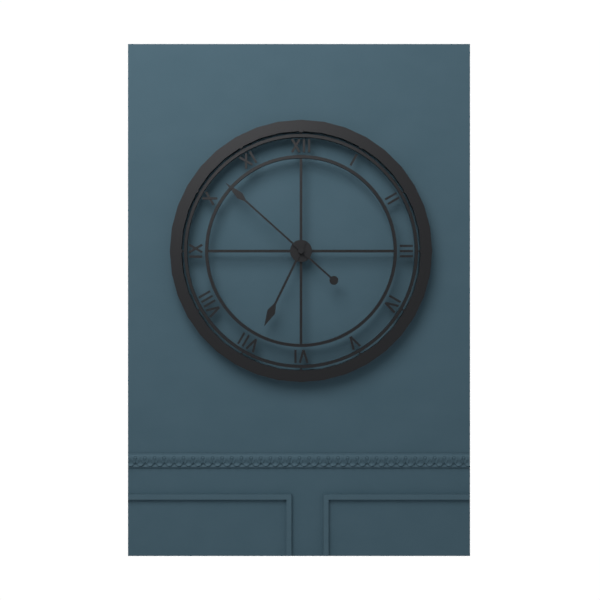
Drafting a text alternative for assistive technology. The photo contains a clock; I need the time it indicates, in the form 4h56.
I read 6h52
